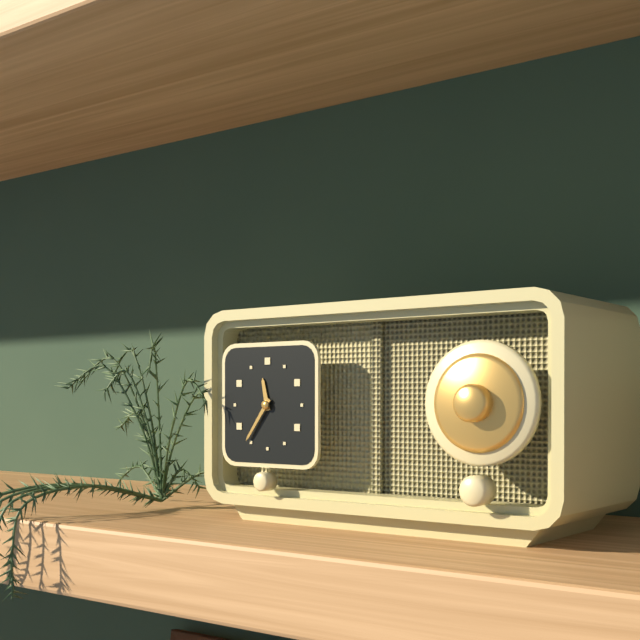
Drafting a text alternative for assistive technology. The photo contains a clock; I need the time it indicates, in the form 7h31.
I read 11h36
